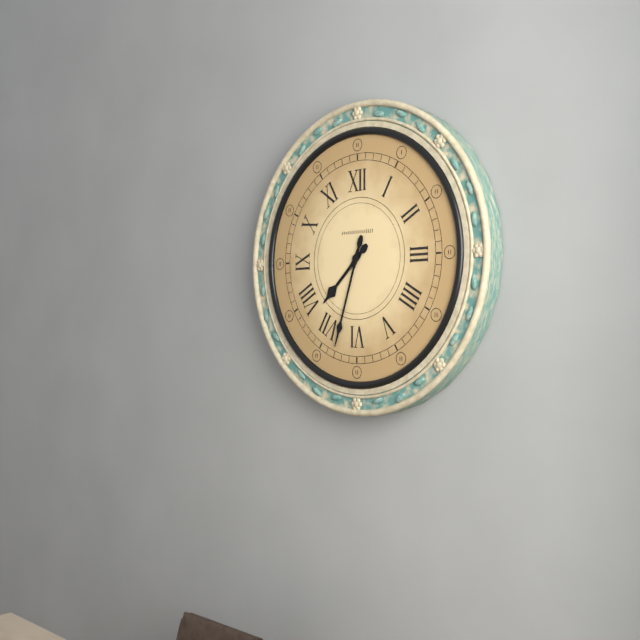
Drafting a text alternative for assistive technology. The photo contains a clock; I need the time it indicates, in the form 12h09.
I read 7h33
